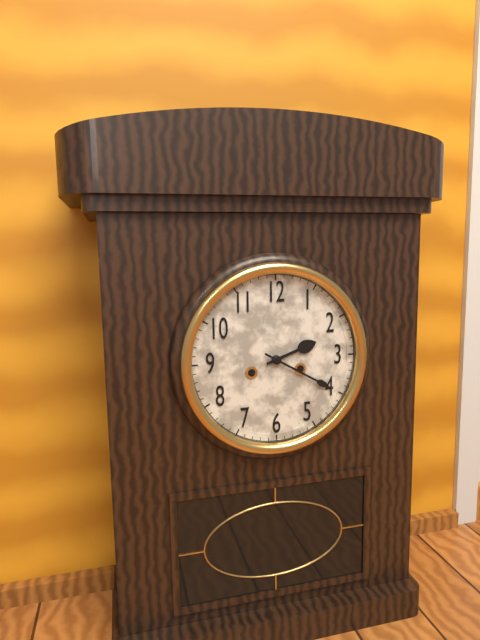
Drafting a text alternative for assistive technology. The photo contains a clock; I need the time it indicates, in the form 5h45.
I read 2h20
